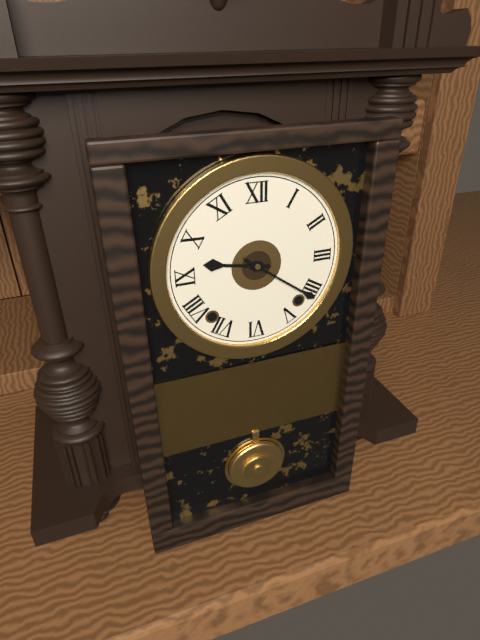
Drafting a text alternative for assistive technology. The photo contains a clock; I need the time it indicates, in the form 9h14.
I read 9h21
